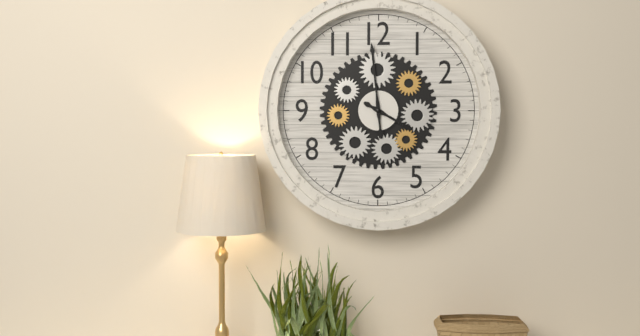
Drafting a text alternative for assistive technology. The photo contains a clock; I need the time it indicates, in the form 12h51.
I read 3h59
